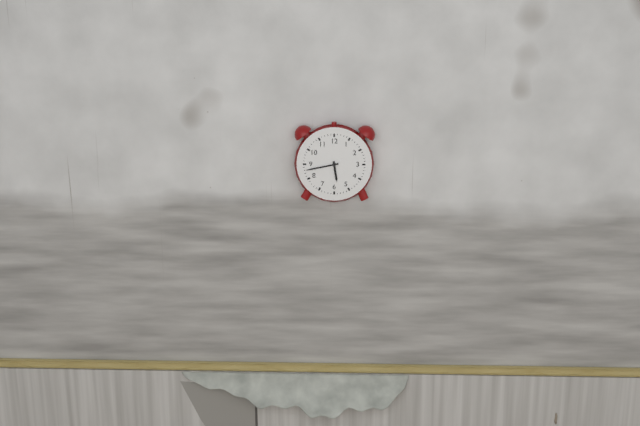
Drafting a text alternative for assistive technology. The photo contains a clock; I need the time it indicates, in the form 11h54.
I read 5h43
